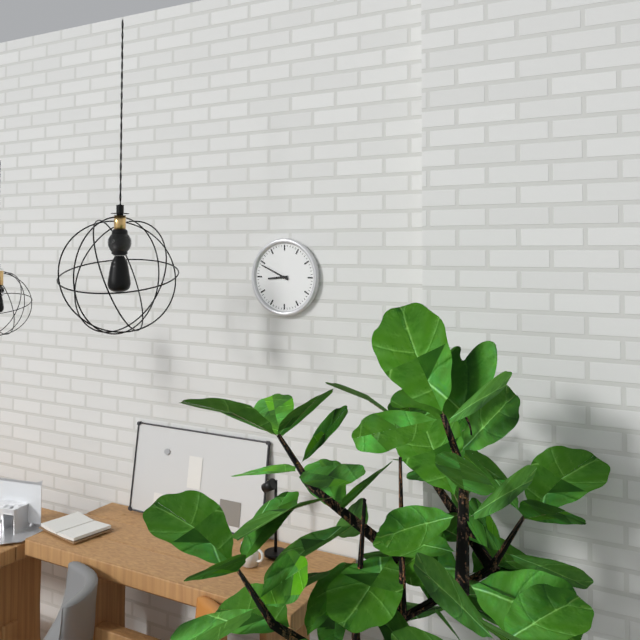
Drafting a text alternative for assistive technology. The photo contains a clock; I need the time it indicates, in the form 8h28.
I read 8h49
